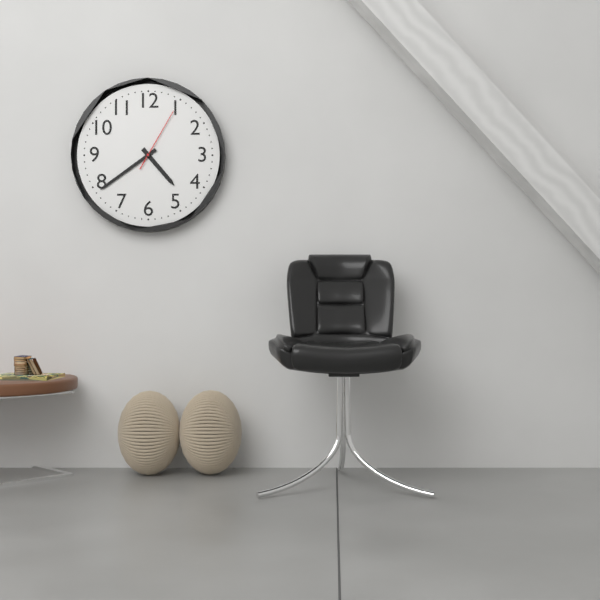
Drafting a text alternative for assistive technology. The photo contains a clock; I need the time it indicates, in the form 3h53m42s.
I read 4h39m05s
